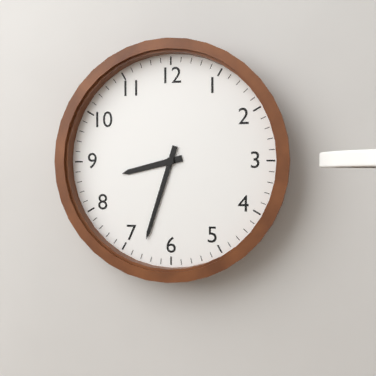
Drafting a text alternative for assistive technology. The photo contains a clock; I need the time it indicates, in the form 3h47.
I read 8h33
